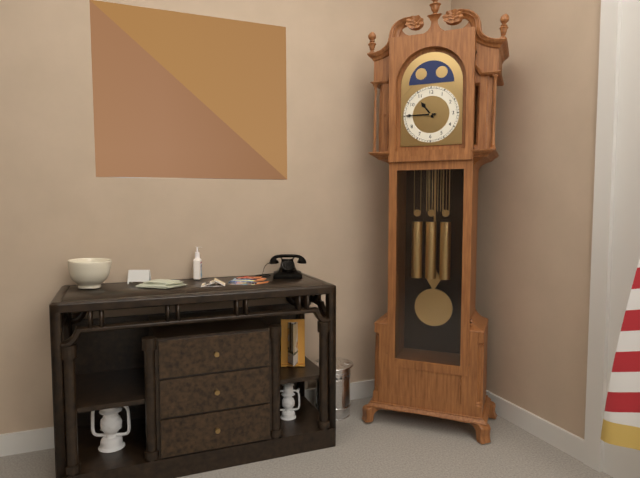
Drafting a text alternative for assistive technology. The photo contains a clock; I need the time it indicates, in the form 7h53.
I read 10h45
